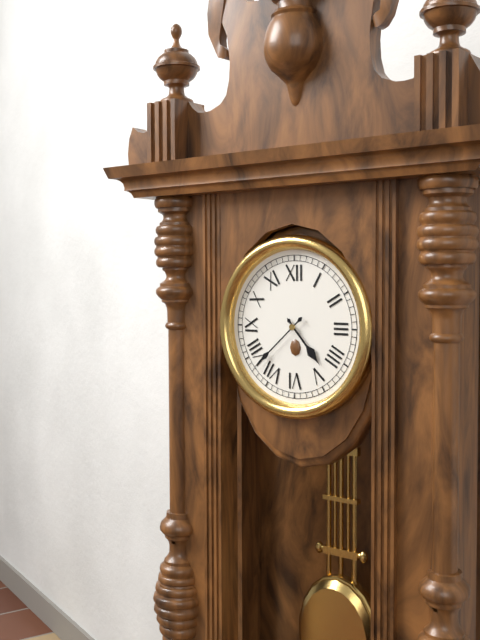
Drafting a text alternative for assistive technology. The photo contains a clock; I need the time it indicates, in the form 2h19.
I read 4h38
